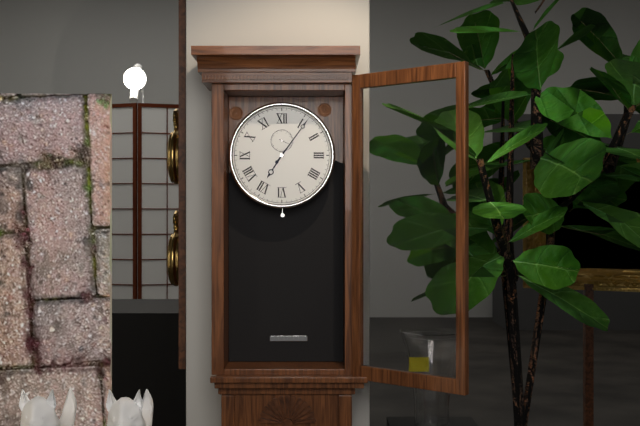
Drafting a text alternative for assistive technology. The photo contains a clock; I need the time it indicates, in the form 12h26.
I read 7h06
